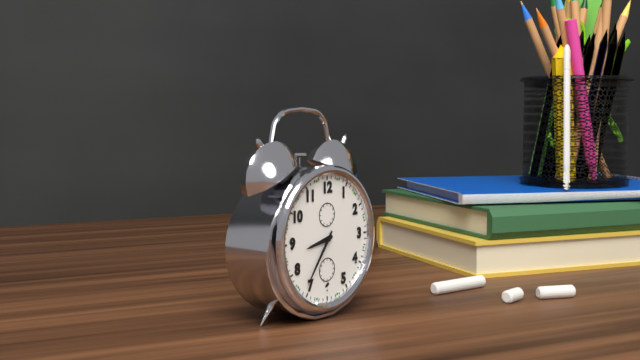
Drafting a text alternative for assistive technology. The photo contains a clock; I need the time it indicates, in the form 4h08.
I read 8h36
